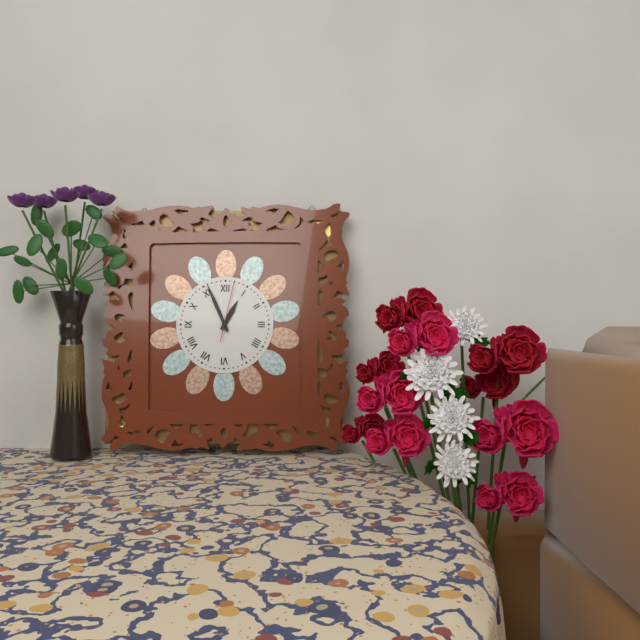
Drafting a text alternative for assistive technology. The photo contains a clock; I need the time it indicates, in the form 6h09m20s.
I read 12h56m02s
